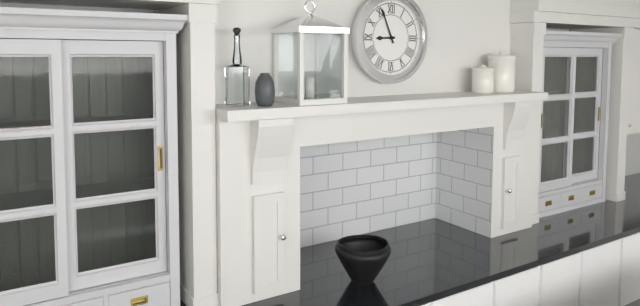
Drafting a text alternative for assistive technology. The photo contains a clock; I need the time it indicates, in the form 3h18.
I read 8h56
